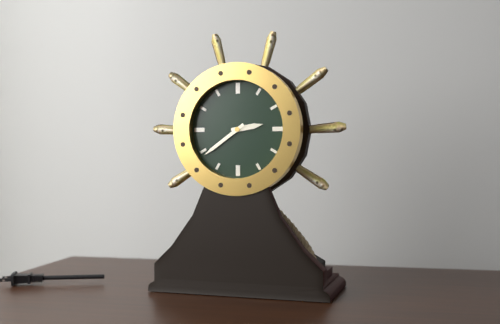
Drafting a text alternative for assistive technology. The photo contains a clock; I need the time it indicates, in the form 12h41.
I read 2h39
